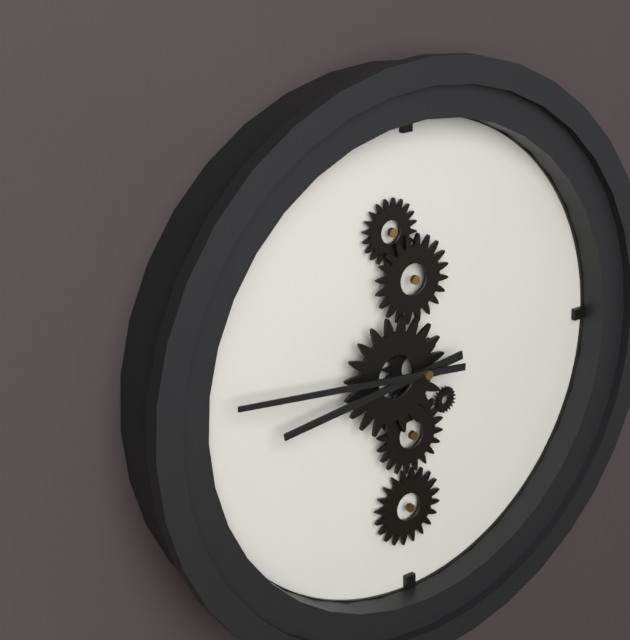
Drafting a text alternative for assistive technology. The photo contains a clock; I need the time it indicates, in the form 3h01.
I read 8h46
